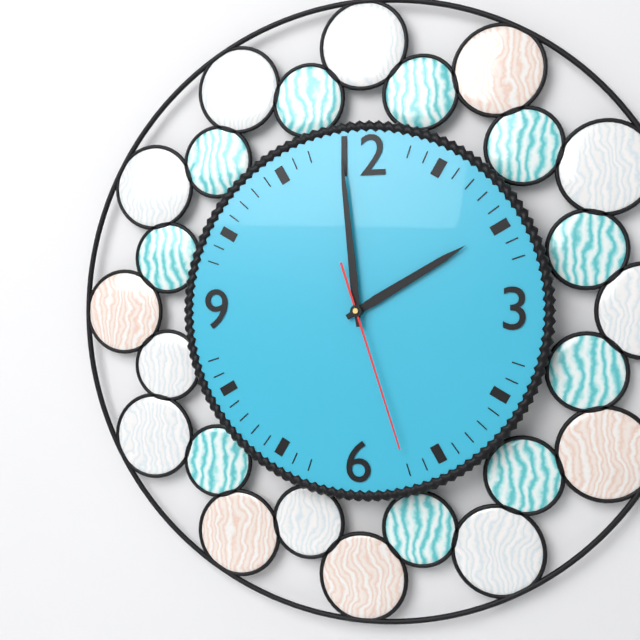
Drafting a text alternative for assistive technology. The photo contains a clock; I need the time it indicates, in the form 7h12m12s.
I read 1h59m27s
